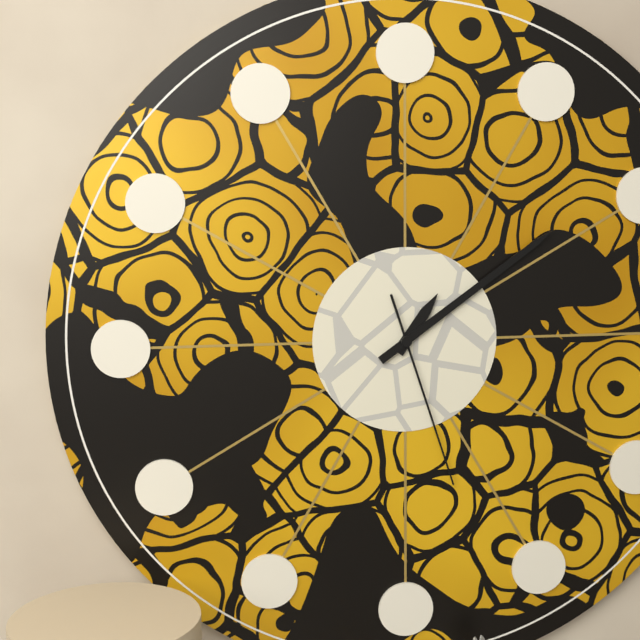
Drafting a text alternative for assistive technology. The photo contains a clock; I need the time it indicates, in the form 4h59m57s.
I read 1h09m27s
